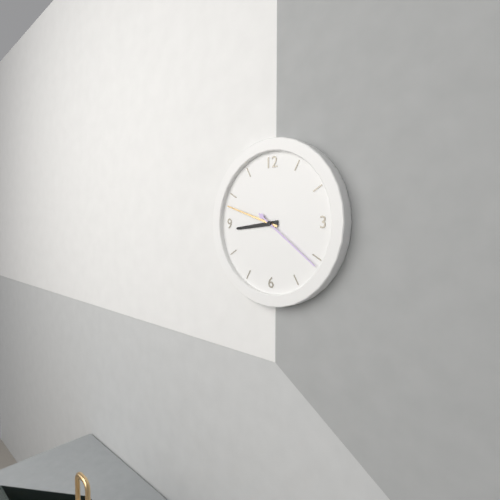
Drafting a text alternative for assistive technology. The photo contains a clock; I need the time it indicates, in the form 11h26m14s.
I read 8h48m21s
